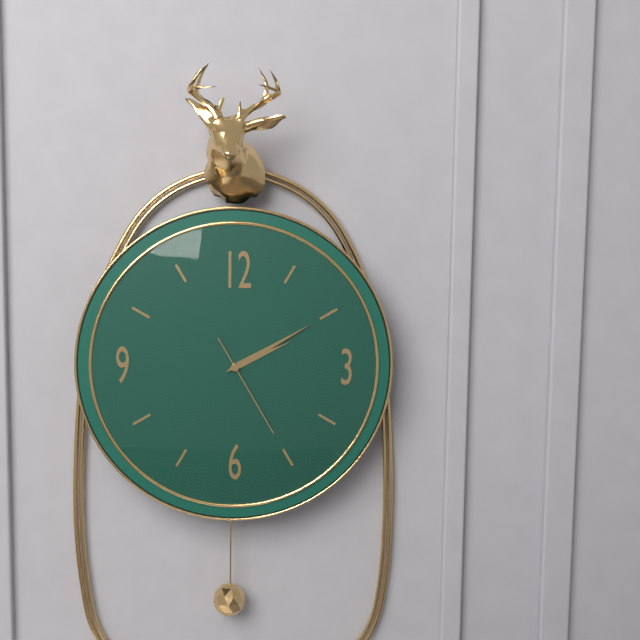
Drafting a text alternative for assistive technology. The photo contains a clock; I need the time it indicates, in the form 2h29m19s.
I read 2h10m25s
